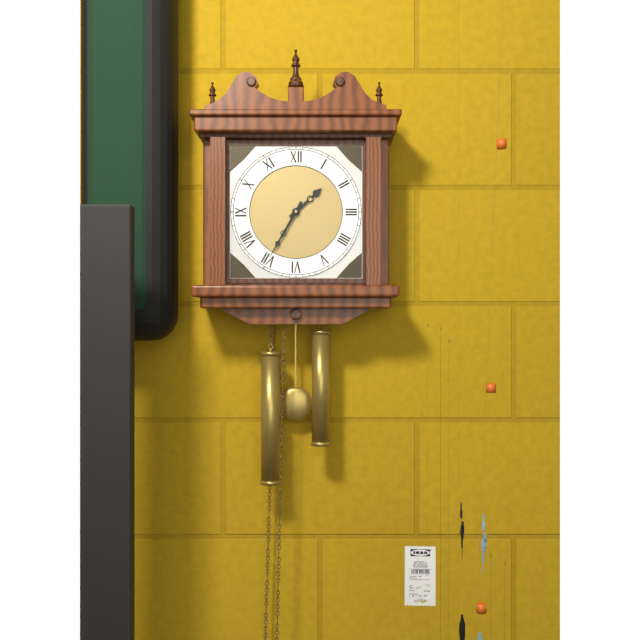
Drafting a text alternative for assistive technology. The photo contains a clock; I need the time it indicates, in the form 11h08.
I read 1h35
